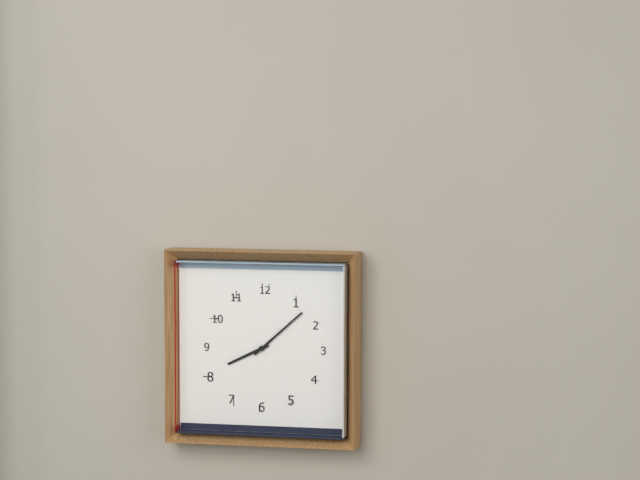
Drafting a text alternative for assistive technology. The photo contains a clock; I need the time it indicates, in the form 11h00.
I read 8h08
